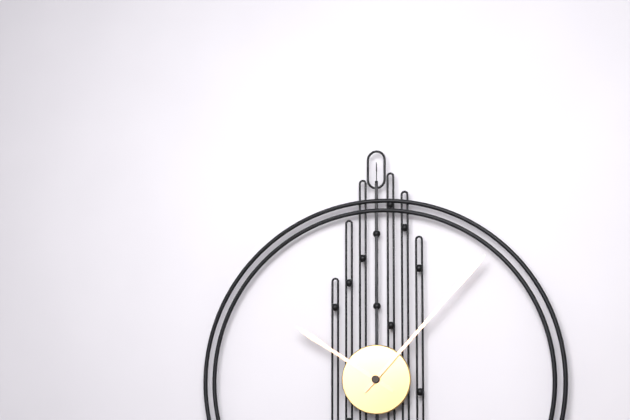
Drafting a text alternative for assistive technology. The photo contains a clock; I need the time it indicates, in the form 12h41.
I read 10h07
